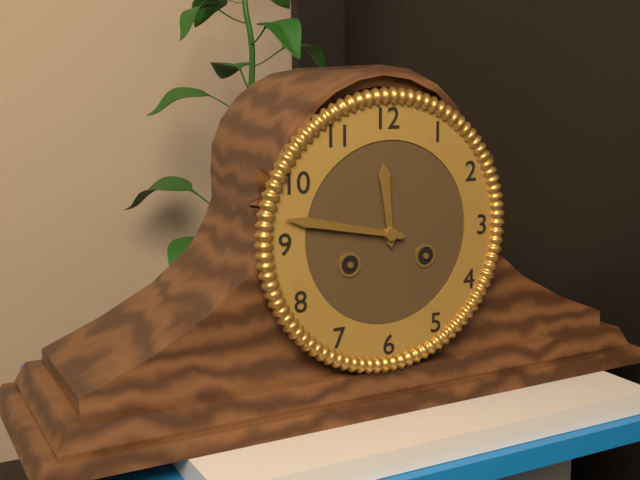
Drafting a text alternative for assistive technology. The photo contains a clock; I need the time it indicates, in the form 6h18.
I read 11h47
